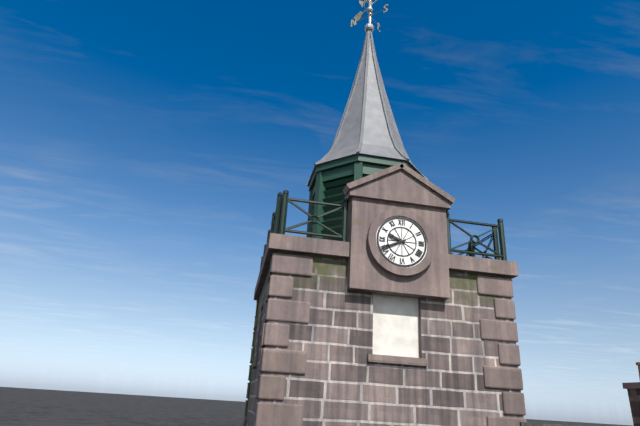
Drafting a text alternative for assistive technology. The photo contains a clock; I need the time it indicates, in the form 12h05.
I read 9h41
